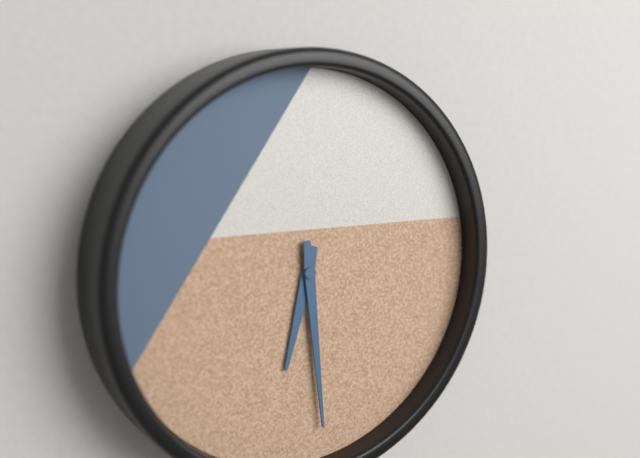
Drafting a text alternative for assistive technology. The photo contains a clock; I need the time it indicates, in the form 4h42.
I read 6h29
